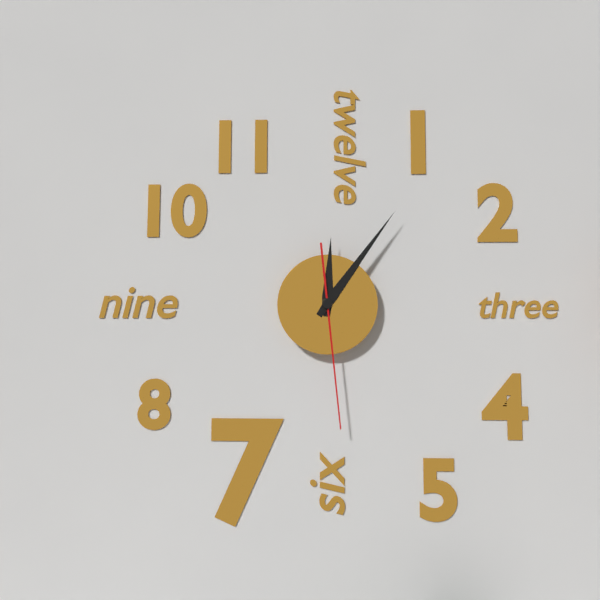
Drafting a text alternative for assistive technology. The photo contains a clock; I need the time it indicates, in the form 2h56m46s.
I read 12h06m29s
